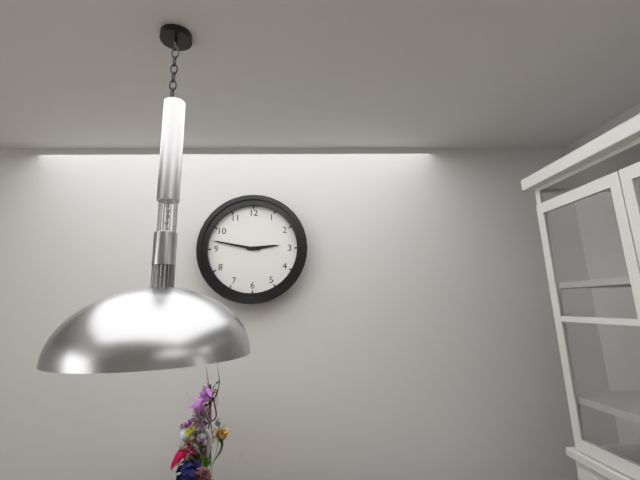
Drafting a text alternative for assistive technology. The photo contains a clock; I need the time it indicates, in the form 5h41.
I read 2h47
